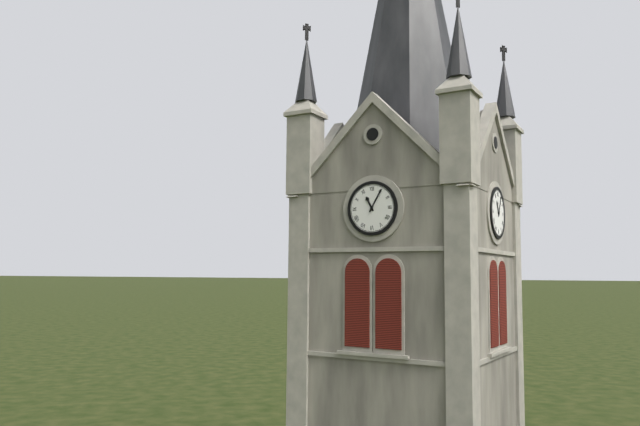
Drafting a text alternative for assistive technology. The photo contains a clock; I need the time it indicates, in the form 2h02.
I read 11h05
